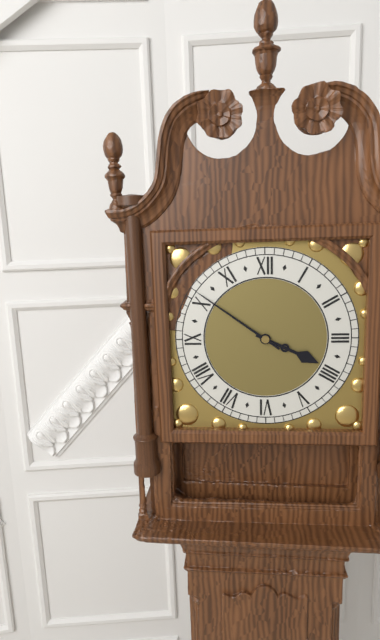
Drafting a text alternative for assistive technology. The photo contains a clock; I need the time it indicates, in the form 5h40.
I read 3h51
